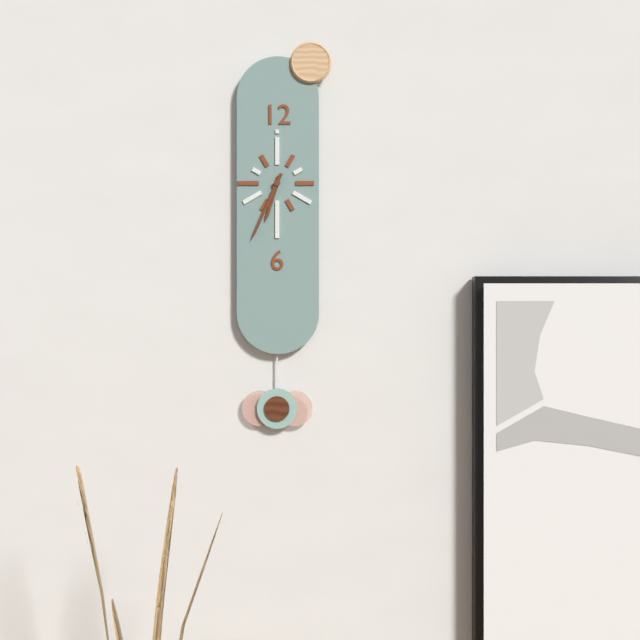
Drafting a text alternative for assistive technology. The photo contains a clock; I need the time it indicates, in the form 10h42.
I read 6h34
